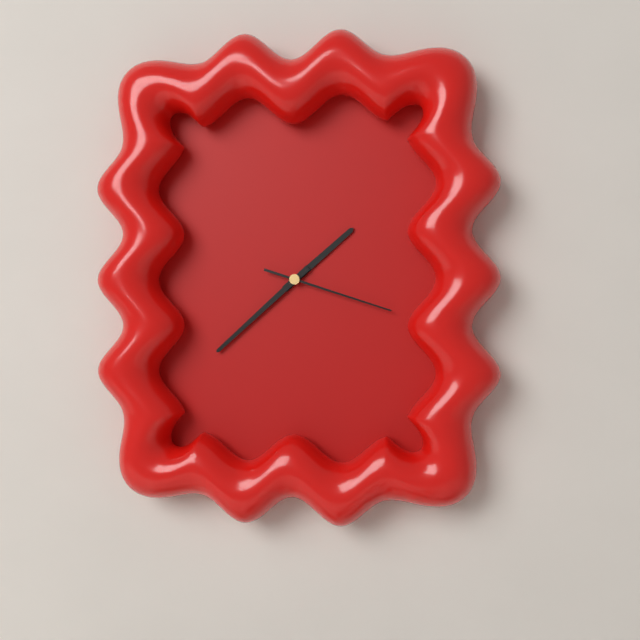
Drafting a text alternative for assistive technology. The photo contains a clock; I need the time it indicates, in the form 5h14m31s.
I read 1h38m18s
